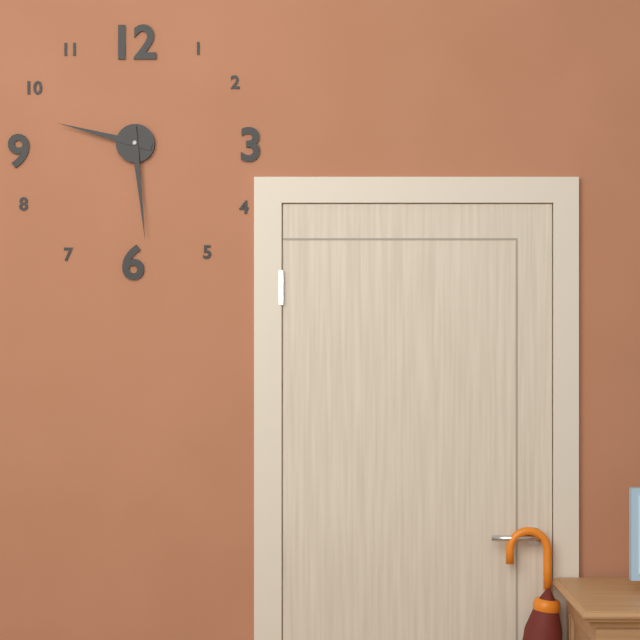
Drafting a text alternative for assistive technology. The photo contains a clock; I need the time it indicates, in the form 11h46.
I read 9h29
